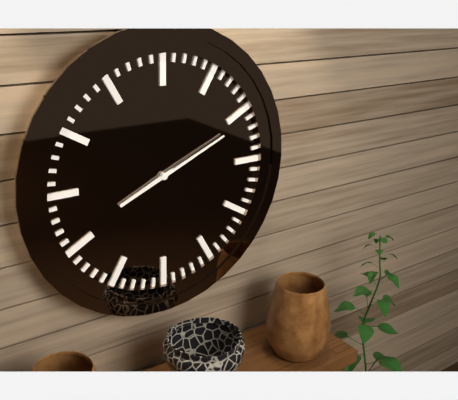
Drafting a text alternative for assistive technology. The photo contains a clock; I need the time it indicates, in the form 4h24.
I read 8h11
